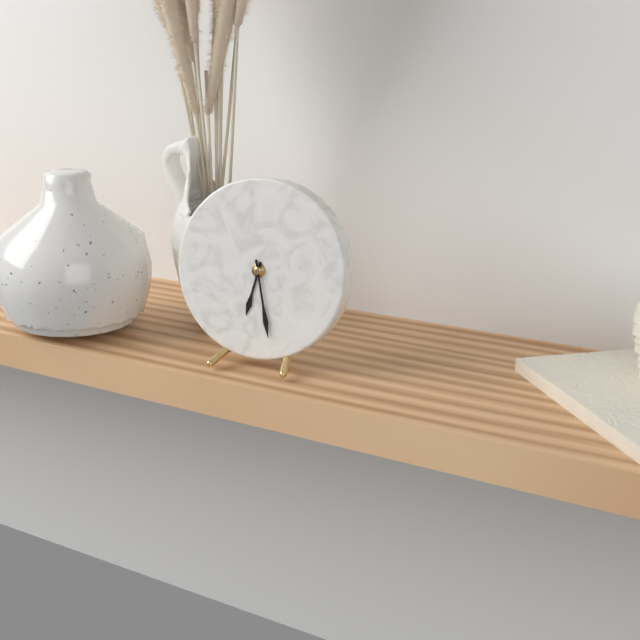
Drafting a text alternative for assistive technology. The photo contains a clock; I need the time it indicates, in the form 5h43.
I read 6h28
